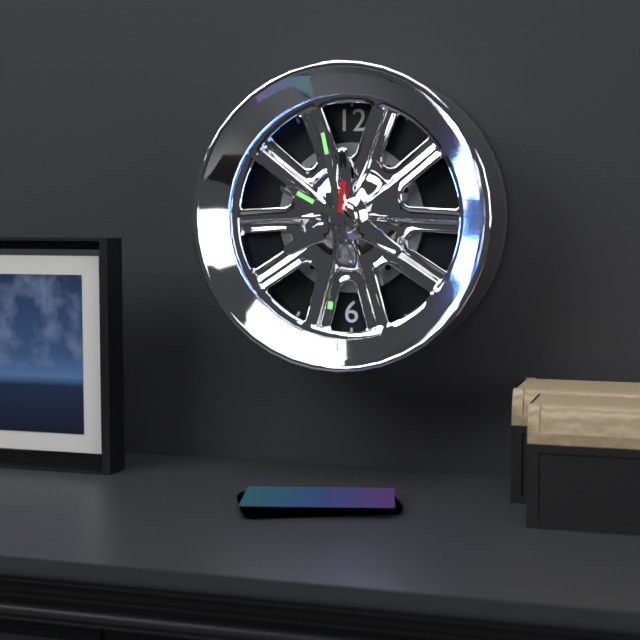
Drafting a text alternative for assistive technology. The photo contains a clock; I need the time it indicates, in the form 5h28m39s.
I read 9h58m31s
